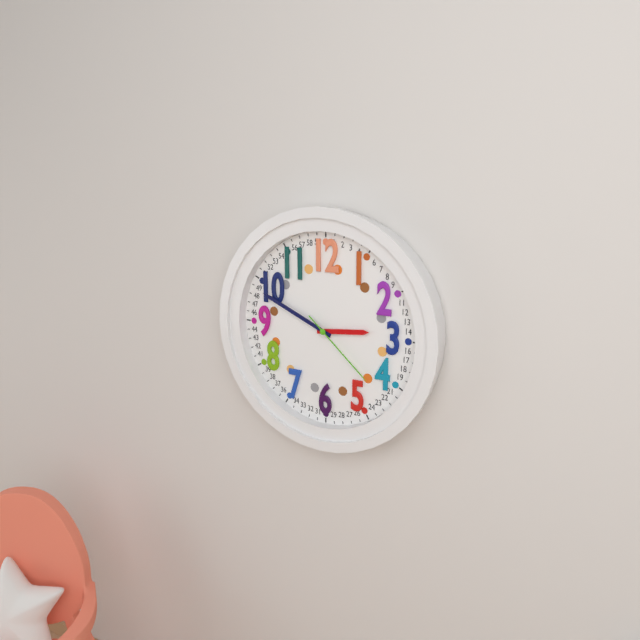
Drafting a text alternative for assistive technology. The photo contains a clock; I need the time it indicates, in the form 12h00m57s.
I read 2h49m22s
